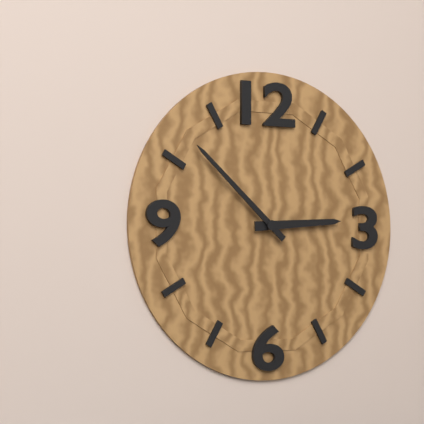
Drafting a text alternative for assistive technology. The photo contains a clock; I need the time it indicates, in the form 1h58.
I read 2h52
